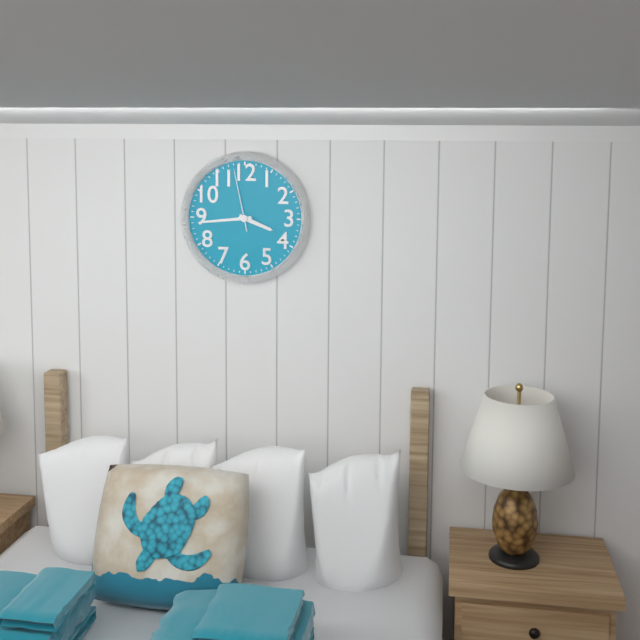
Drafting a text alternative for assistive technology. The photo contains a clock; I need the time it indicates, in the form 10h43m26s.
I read 3h44m58s
